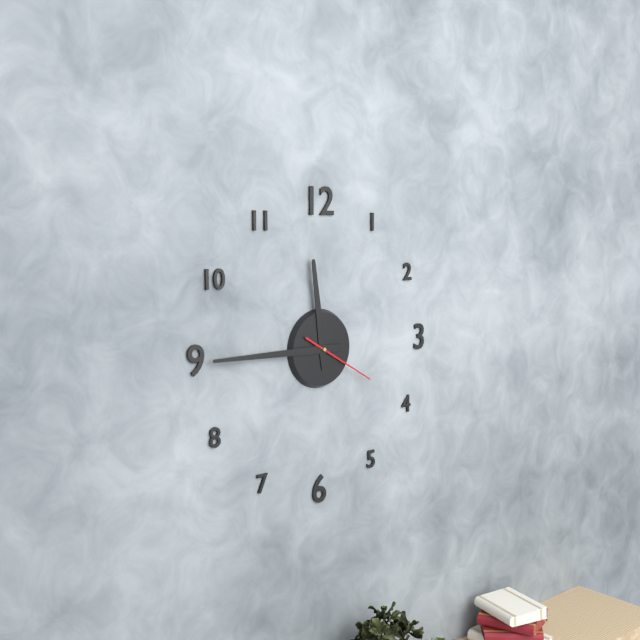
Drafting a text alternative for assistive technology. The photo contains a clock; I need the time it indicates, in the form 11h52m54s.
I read 11h45m20s
